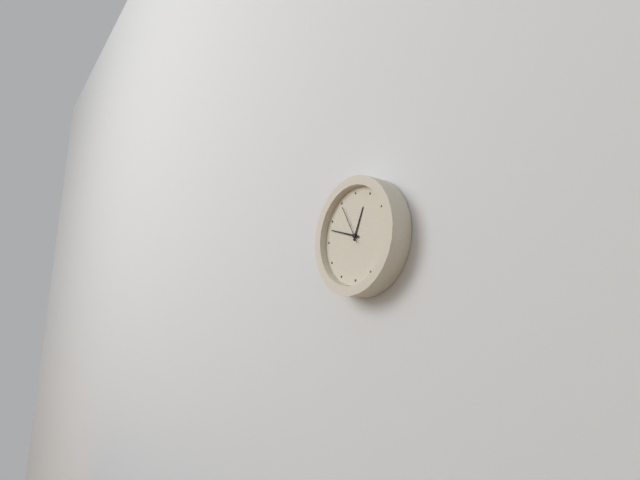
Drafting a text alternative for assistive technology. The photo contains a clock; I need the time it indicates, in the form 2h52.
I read 12h48
